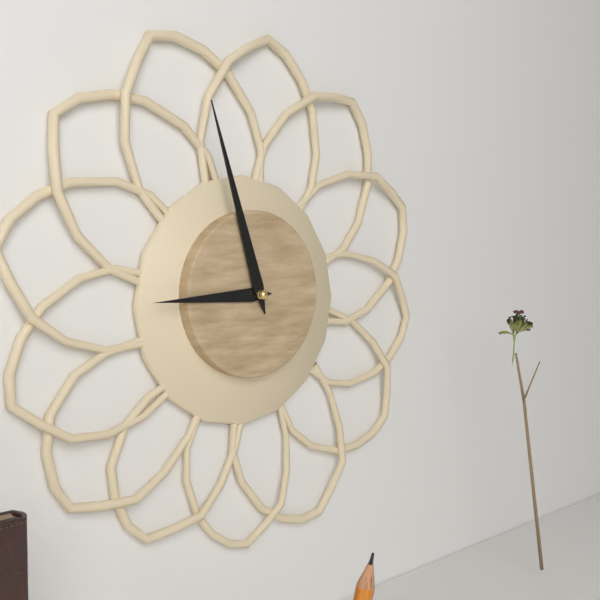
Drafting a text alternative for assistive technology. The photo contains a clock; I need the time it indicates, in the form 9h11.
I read 8h57
